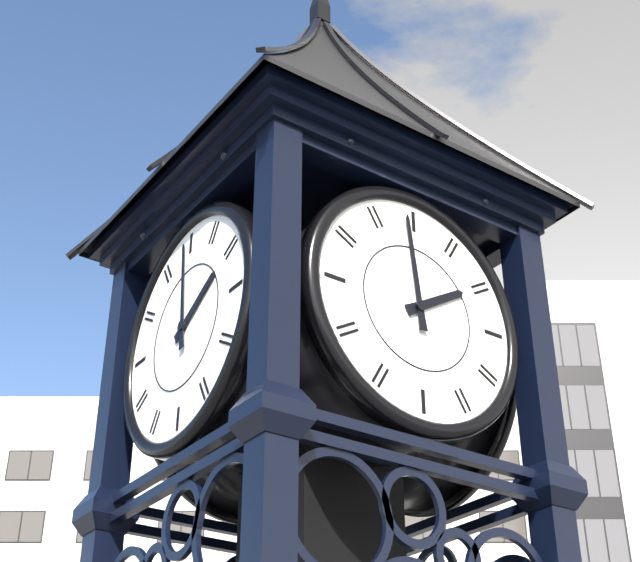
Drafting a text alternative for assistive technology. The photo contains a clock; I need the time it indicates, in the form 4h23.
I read 1h59
